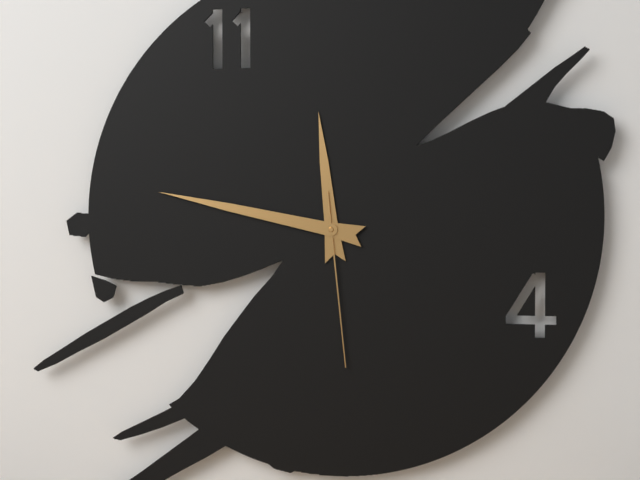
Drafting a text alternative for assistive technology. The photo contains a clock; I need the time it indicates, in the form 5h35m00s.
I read 11h47m29s
